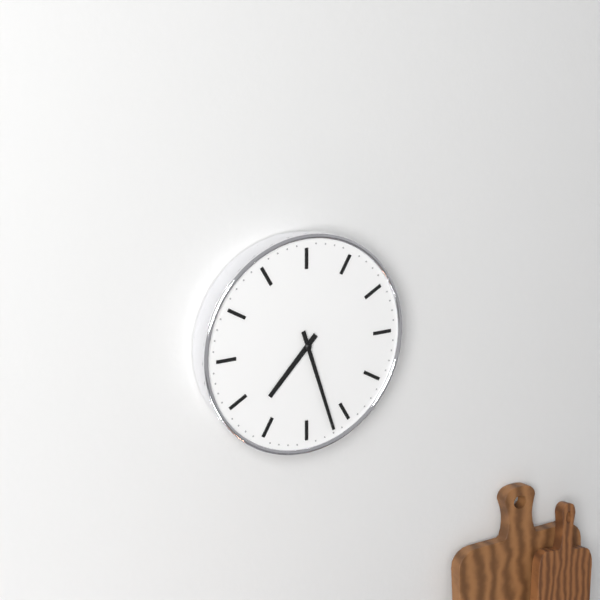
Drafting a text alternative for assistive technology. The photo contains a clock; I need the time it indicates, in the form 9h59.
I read 7h27
